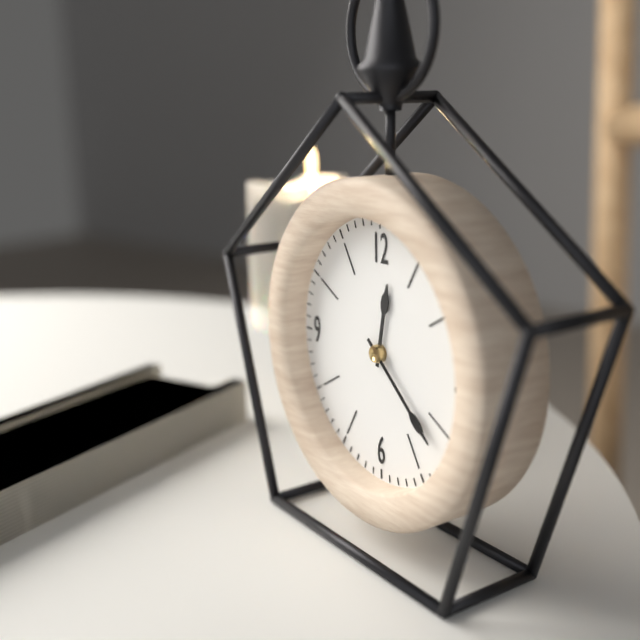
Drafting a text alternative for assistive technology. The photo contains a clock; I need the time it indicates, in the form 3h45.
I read 12h22
